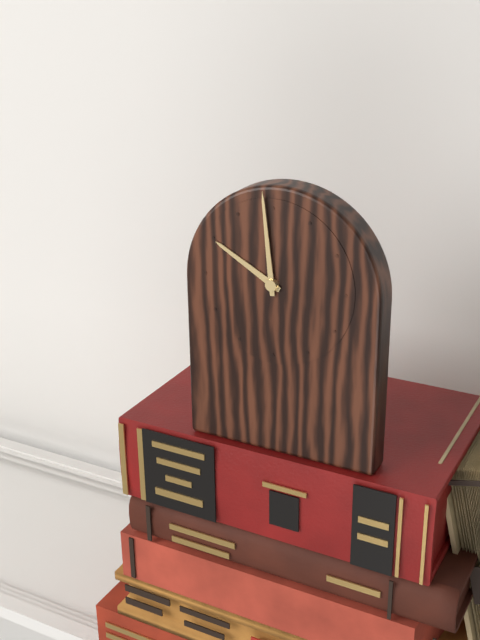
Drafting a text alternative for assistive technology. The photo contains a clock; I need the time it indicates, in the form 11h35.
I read 9h59
